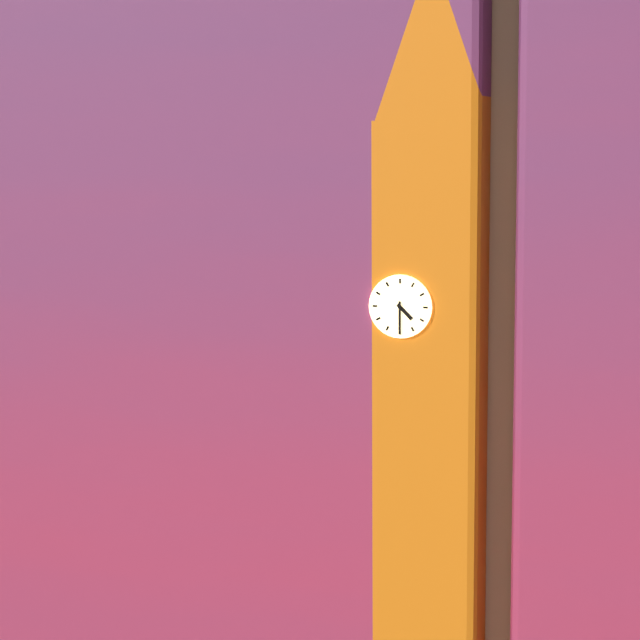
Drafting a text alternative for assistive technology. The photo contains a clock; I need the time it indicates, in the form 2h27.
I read 4h30
